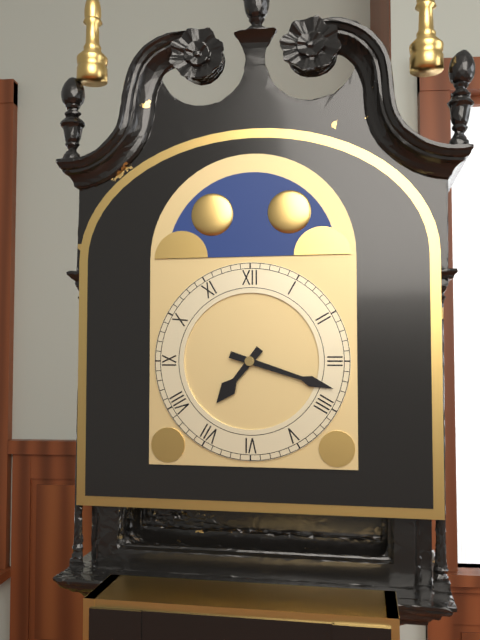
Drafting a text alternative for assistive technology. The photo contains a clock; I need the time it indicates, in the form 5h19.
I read 7h18
